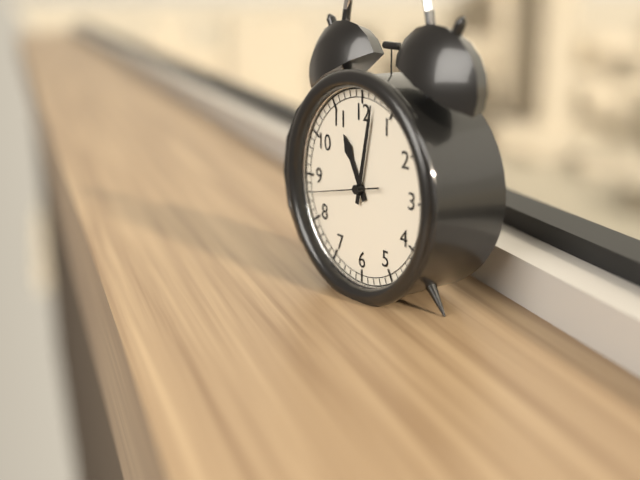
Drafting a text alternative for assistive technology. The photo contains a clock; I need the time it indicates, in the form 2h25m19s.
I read 11h02m43s
